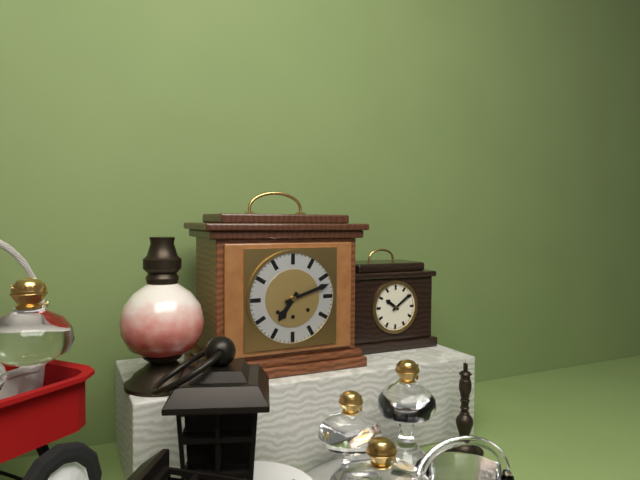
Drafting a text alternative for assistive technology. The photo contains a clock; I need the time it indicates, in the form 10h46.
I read 7h12
